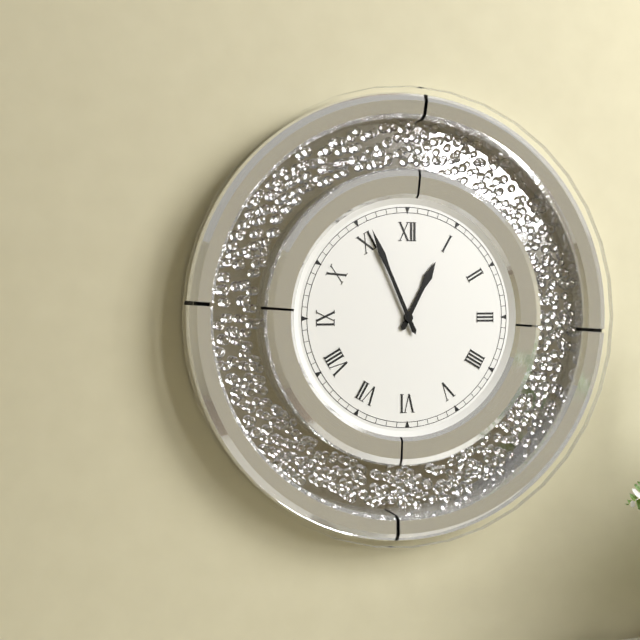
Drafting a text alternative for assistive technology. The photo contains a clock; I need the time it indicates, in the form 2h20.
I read 12h56
